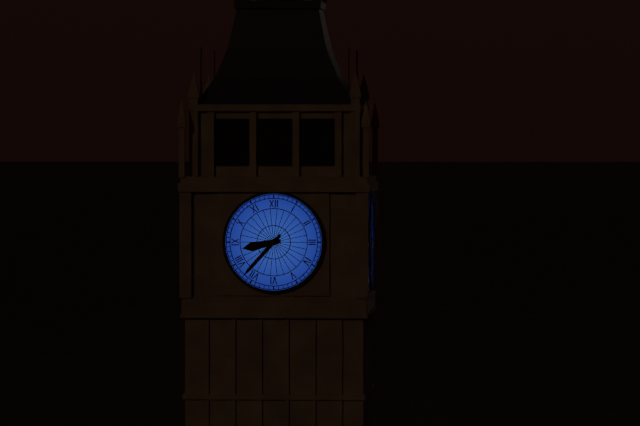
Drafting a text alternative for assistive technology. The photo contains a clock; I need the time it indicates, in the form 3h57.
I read 8h37
